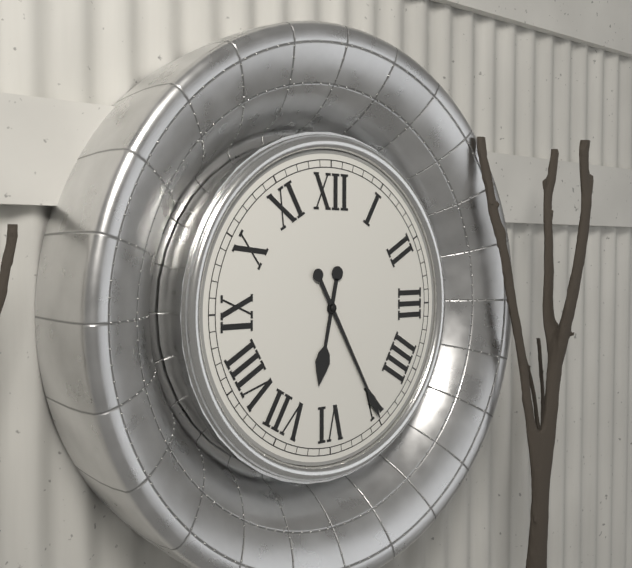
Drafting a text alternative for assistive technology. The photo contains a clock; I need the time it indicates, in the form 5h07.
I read 6h25
